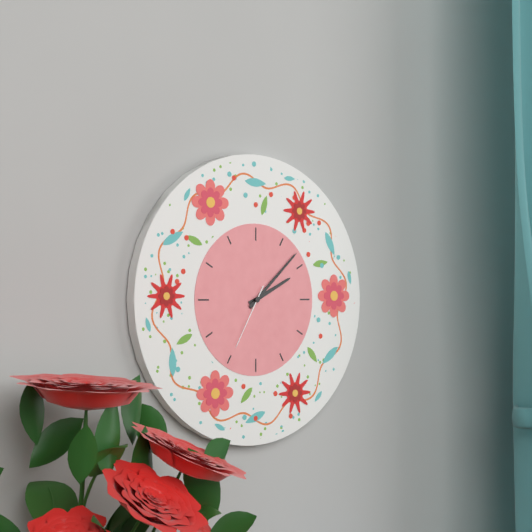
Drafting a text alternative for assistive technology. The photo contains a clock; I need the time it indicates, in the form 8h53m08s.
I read 2h08m35s
